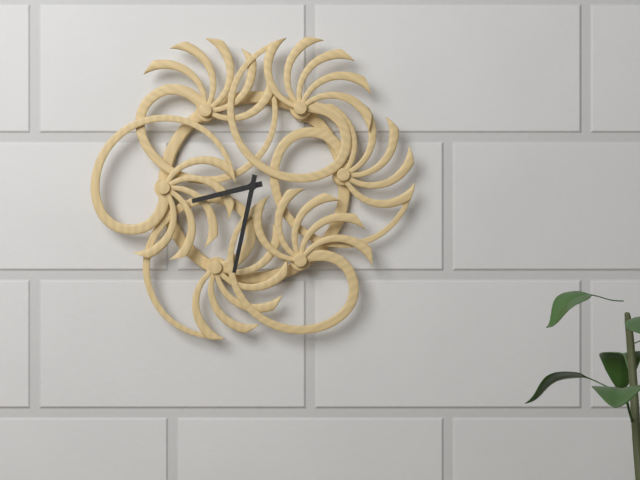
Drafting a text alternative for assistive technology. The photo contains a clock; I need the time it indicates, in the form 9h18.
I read 8h32
